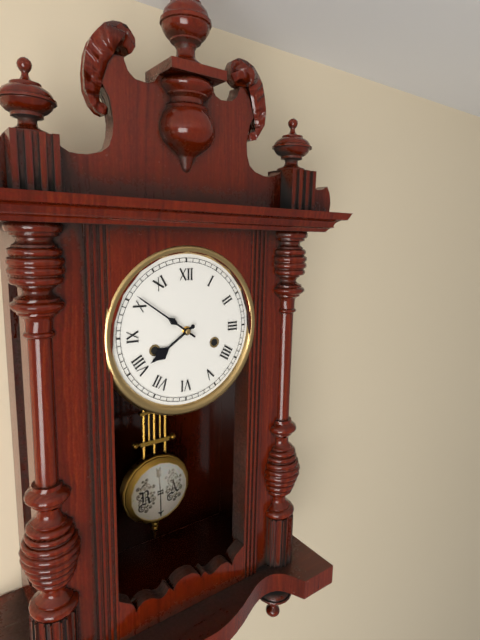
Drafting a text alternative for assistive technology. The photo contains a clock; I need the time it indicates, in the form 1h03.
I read 7h51
